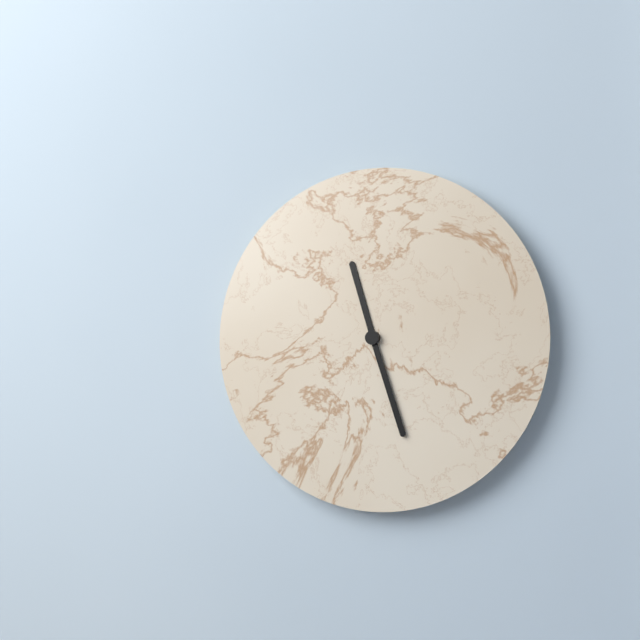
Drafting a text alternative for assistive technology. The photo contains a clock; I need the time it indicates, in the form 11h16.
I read 11h27
